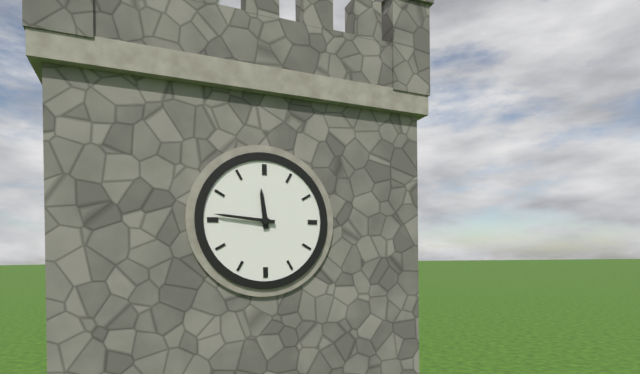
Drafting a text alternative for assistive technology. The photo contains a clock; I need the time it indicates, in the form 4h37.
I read 11h46
